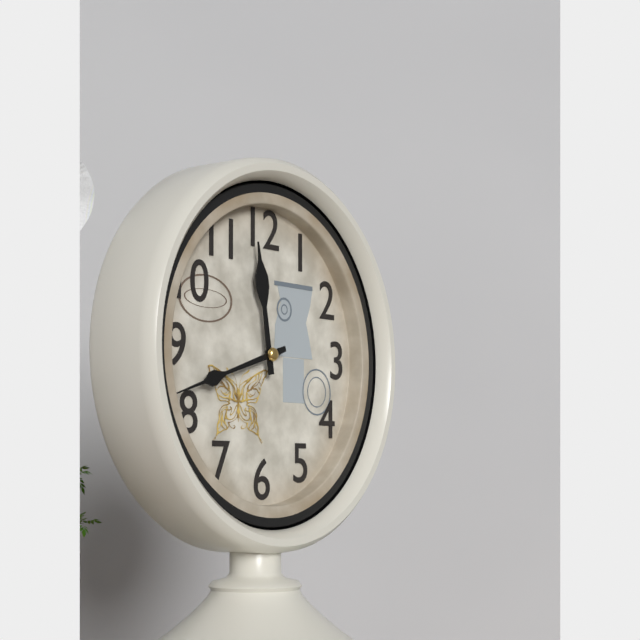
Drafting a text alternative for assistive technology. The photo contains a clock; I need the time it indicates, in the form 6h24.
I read 11h42
